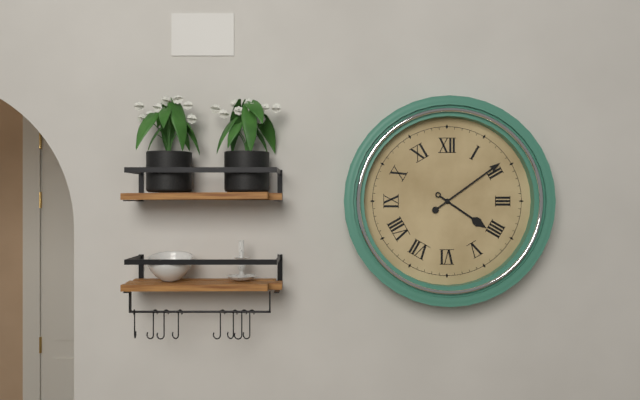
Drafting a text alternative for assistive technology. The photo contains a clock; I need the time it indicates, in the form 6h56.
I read 4h09
